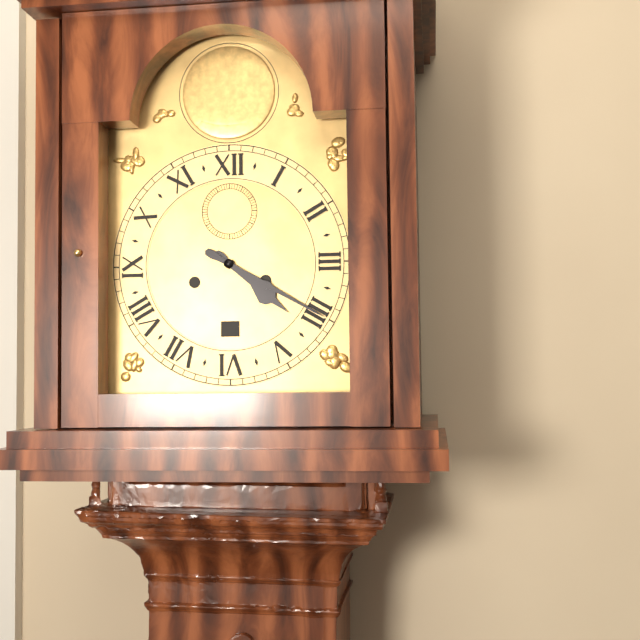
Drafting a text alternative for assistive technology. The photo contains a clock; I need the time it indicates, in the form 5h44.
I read 4h20
